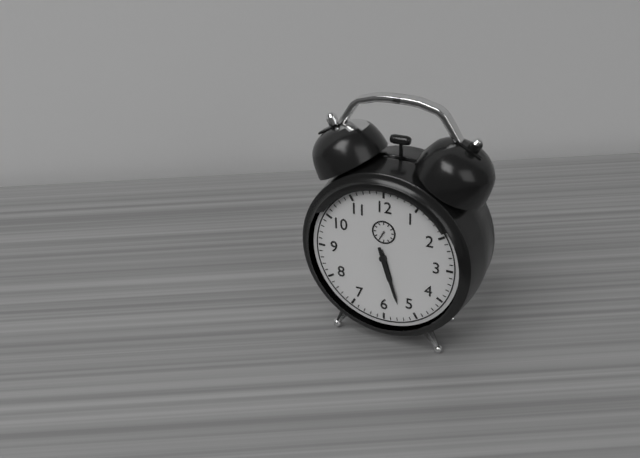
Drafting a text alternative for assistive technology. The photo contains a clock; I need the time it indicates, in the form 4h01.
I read 5h27
